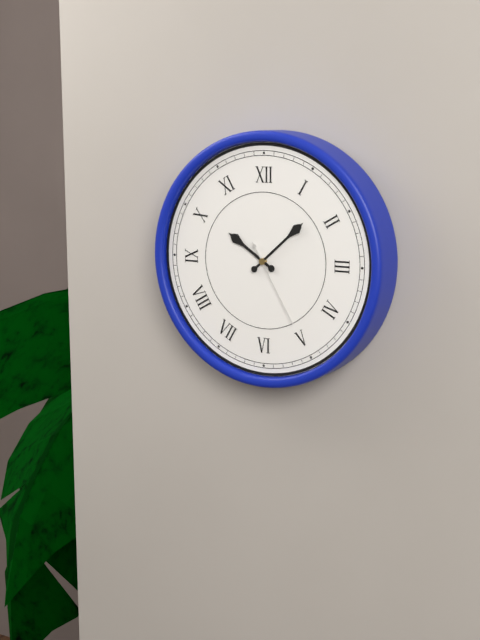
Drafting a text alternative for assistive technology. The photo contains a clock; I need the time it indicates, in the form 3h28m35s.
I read 10h08m25s
